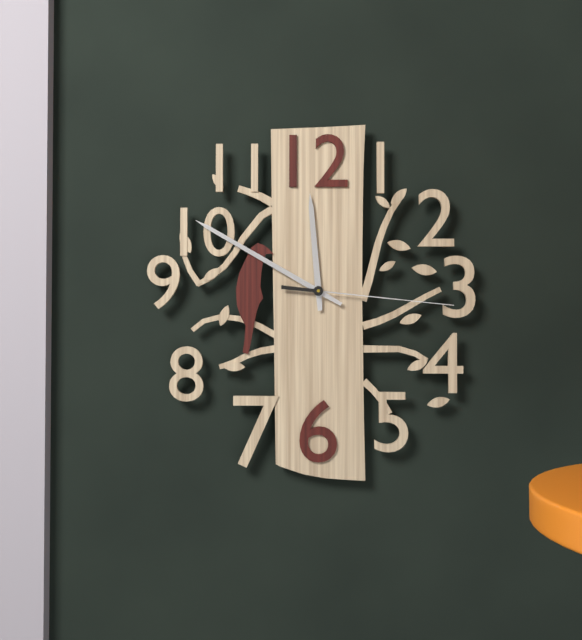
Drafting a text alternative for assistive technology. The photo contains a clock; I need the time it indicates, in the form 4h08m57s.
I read 11h50m16s
